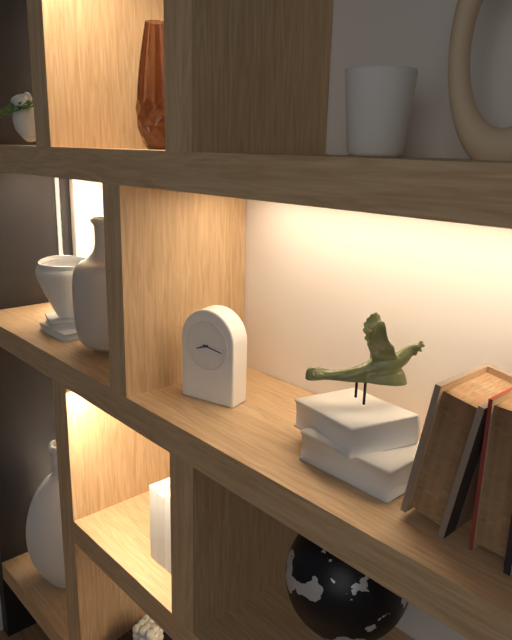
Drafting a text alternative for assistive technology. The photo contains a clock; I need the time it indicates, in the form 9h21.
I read 8h17
